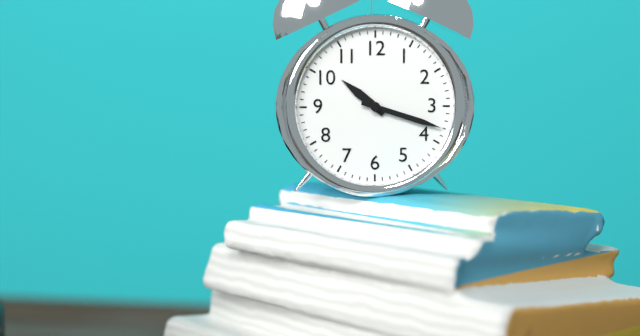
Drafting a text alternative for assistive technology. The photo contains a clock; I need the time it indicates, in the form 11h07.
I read 10h18
